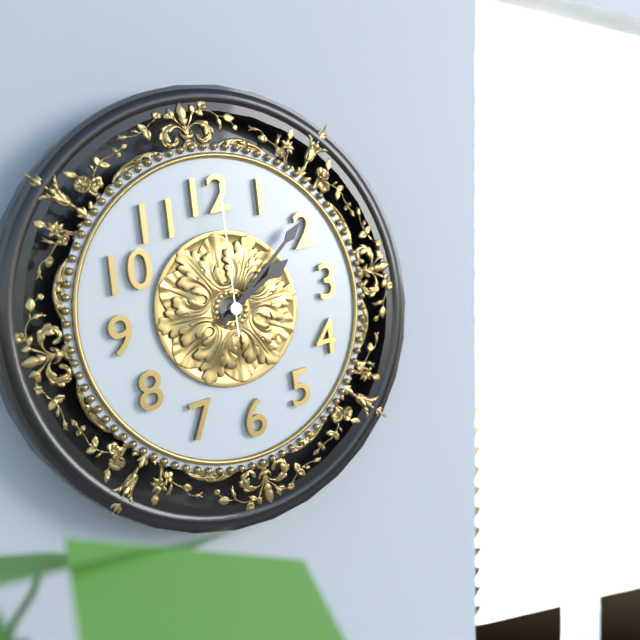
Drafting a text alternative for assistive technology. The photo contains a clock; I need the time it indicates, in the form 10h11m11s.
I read 2h09m01s
